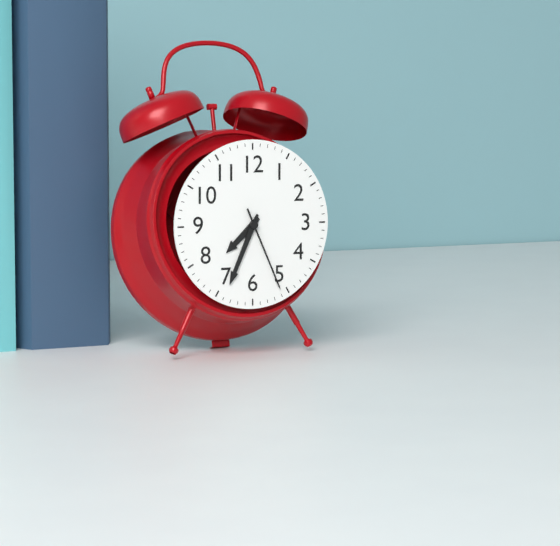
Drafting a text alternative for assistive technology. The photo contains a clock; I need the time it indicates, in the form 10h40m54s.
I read 7h34m26s
